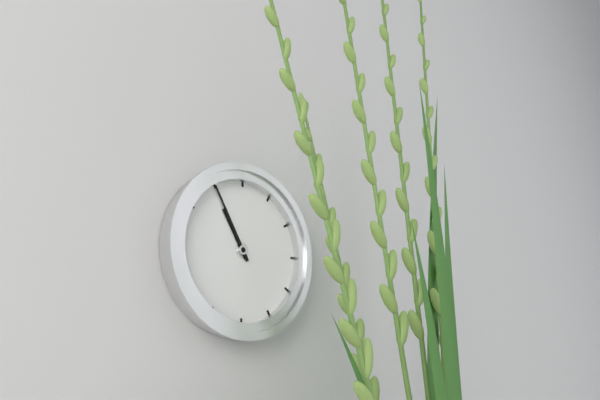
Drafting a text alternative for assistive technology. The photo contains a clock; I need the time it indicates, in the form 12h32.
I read 10h55
